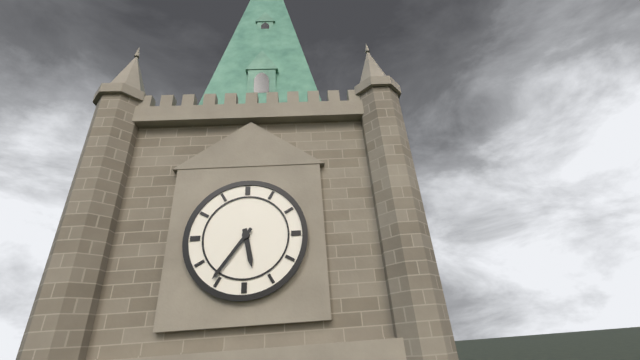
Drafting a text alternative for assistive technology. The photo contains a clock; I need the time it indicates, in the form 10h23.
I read 5h36
